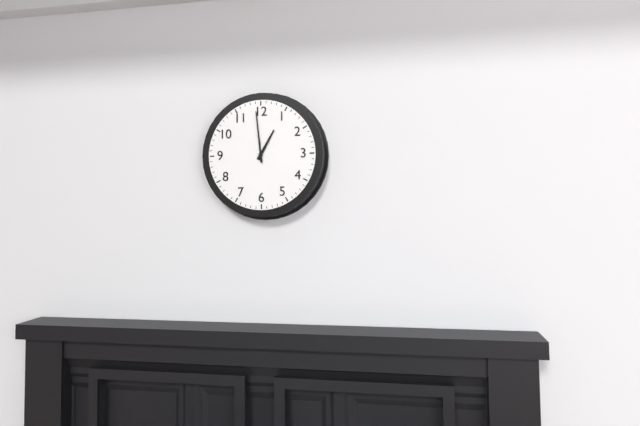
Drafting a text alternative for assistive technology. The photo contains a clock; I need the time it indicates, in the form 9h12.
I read 12h59
